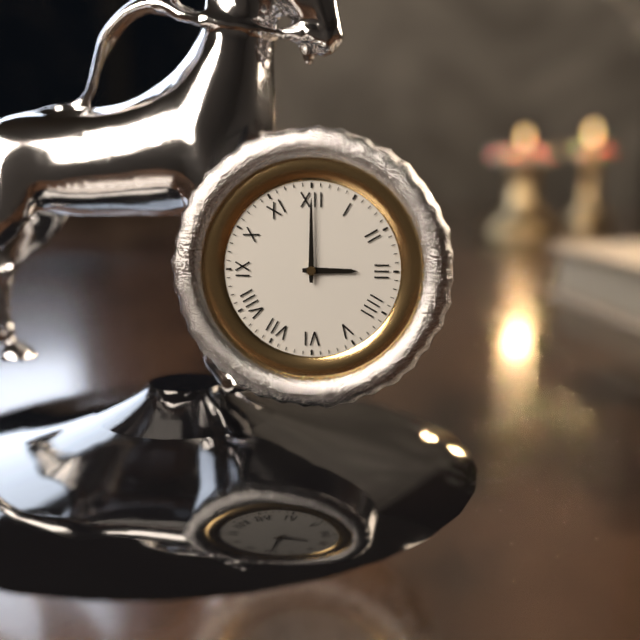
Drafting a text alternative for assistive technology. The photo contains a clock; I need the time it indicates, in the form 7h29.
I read 3h00
